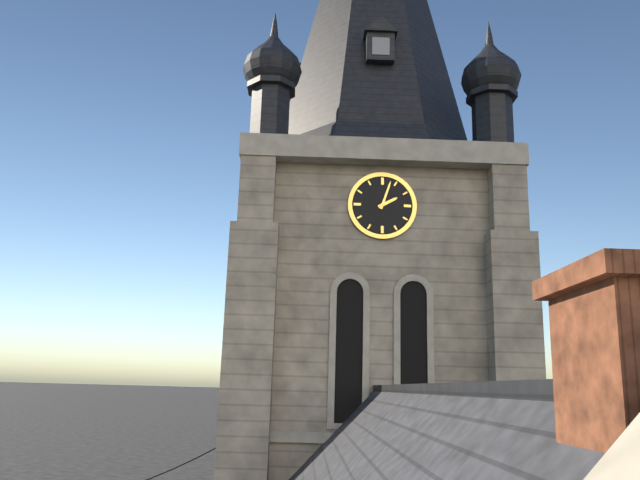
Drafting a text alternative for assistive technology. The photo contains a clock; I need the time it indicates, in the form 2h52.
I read 2h03
